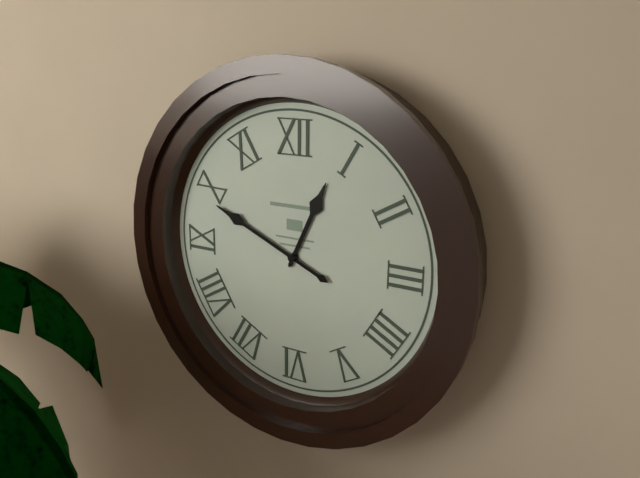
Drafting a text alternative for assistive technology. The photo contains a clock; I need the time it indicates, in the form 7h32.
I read 12h49
